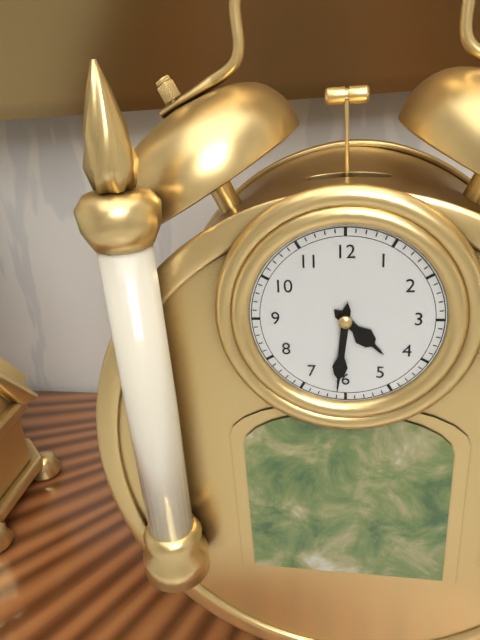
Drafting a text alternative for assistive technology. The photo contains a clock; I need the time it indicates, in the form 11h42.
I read 4h31
